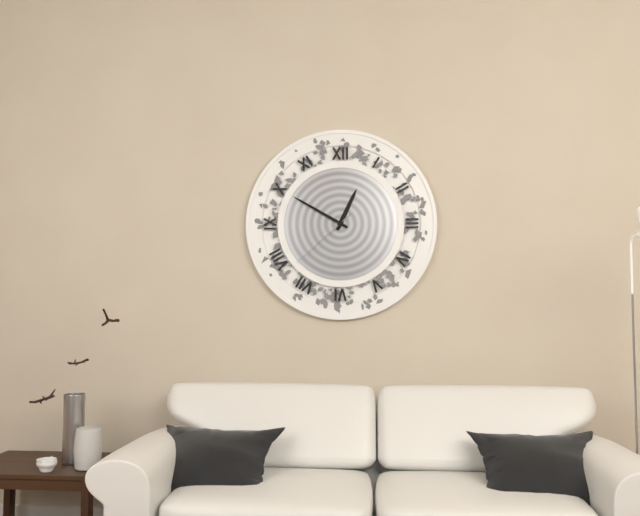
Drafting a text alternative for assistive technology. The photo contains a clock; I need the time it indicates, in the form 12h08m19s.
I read 12h50m38s
